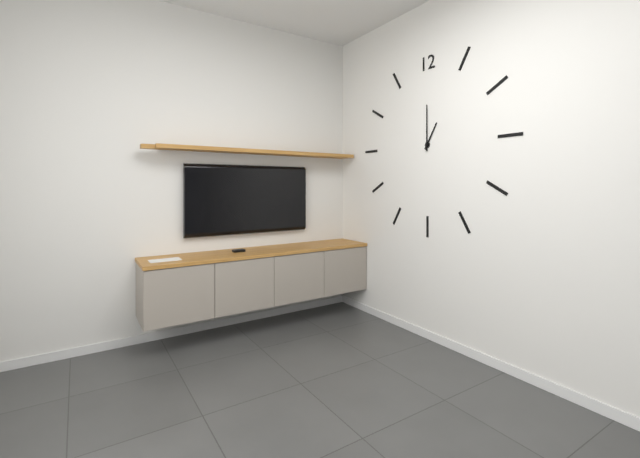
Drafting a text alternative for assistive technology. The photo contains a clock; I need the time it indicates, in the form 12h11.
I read 1h00
